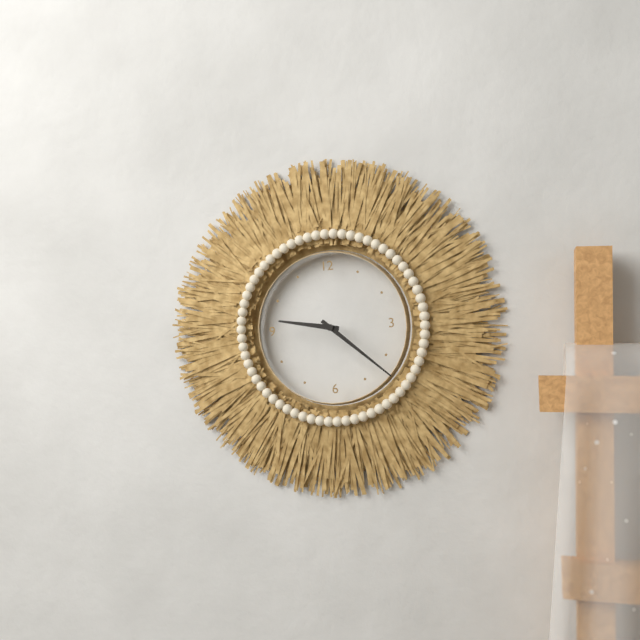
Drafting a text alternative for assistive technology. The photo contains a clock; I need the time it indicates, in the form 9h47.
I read 9h22
